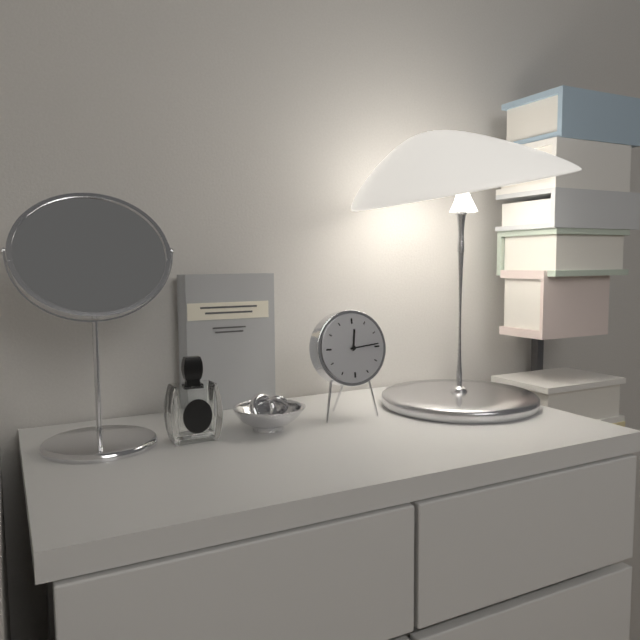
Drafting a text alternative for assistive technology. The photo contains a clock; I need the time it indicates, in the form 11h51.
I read 12h14
